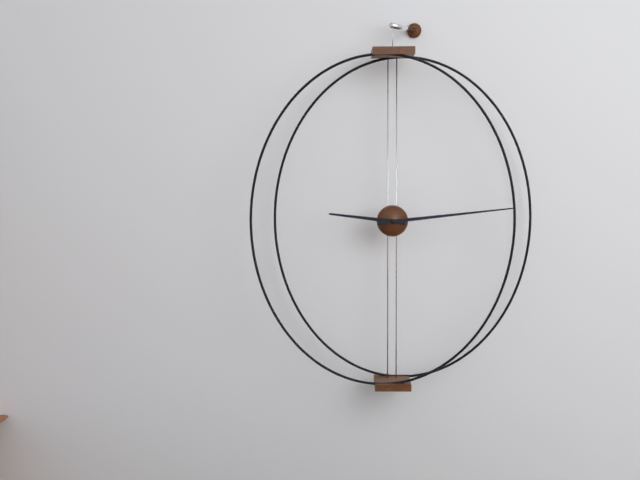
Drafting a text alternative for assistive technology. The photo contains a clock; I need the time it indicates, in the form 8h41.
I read 9h14
